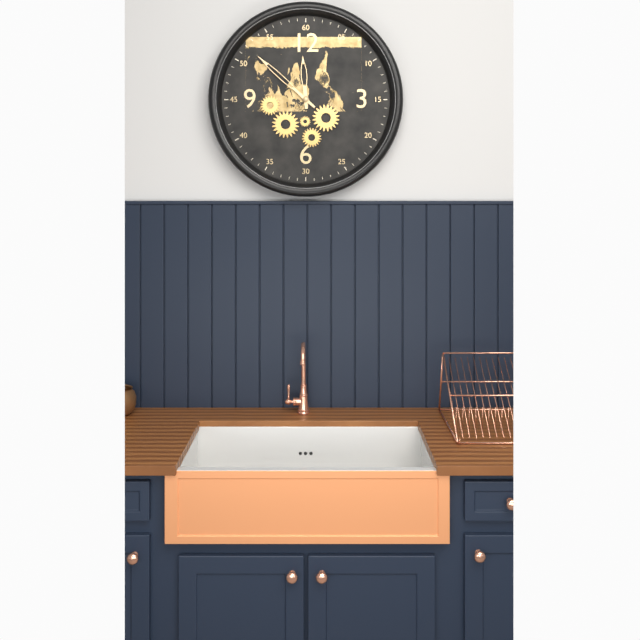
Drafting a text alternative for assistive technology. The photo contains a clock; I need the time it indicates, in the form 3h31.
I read 11h52
